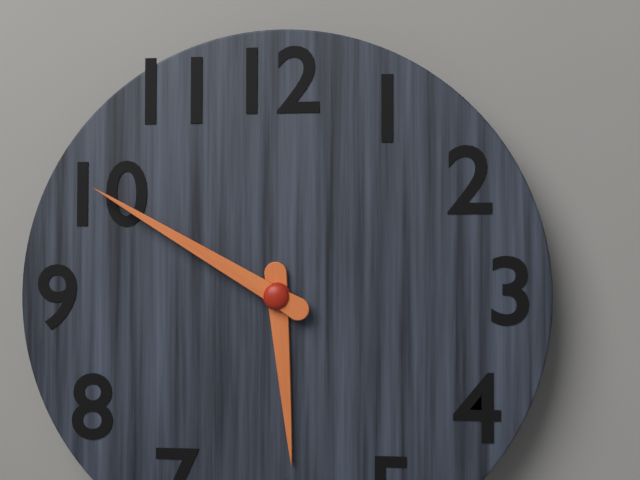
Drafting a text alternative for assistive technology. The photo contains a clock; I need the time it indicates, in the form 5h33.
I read 5h50
